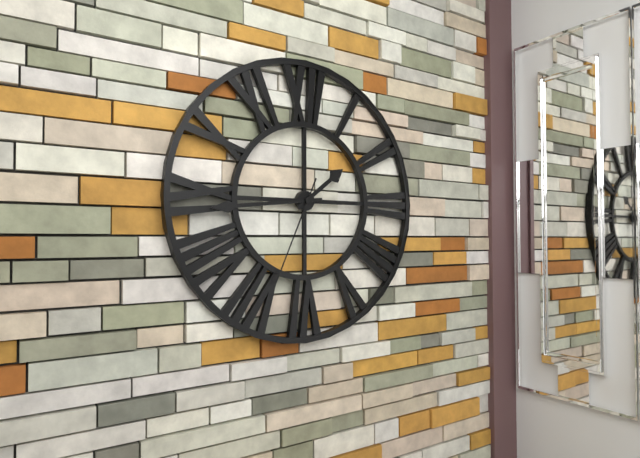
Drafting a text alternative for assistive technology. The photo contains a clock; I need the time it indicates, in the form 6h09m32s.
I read 1h44m34s
